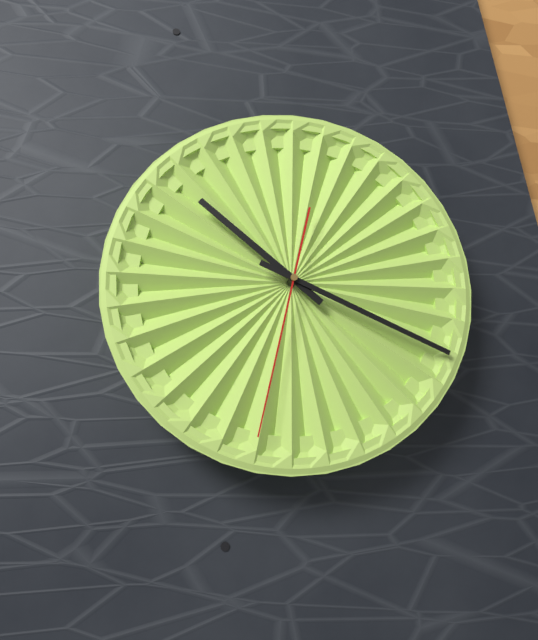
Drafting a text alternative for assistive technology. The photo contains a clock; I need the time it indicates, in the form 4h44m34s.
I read 10h19m32s
